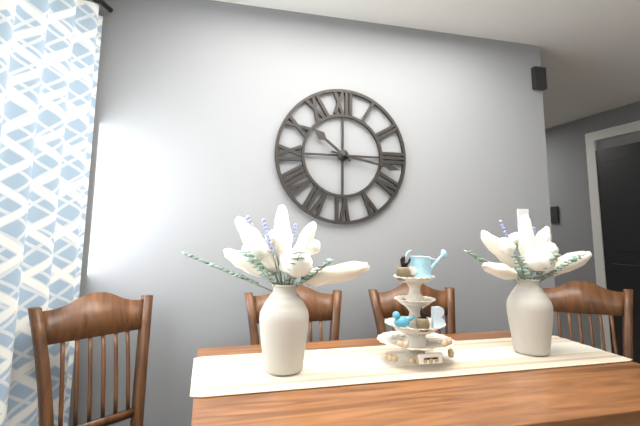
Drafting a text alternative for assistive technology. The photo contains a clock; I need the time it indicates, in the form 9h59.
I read 10h17
